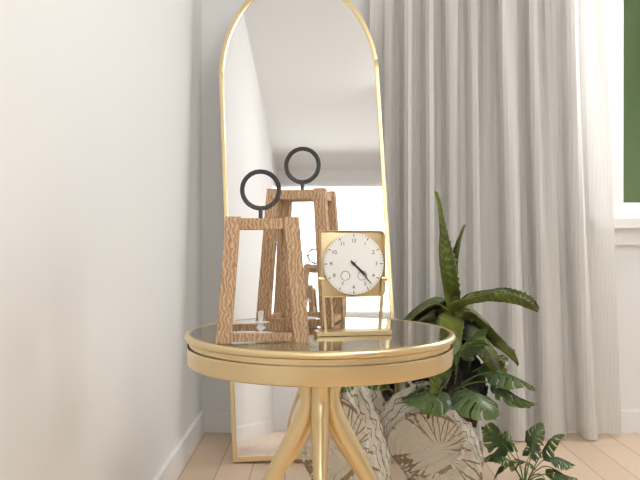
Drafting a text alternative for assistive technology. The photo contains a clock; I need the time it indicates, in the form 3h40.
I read 4h23
